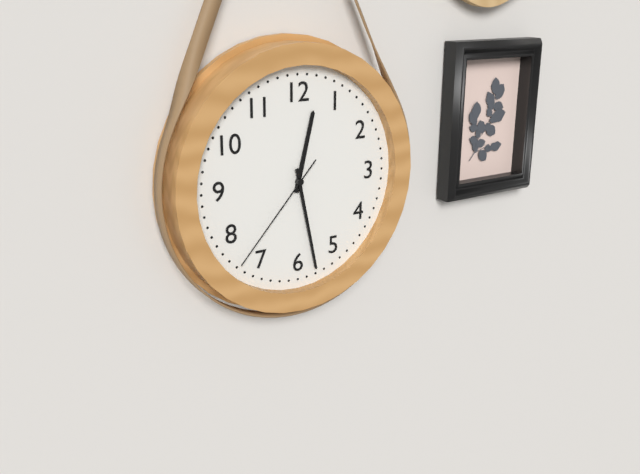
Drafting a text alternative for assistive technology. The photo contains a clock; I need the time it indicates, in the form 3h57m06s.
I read 12h28m37s
